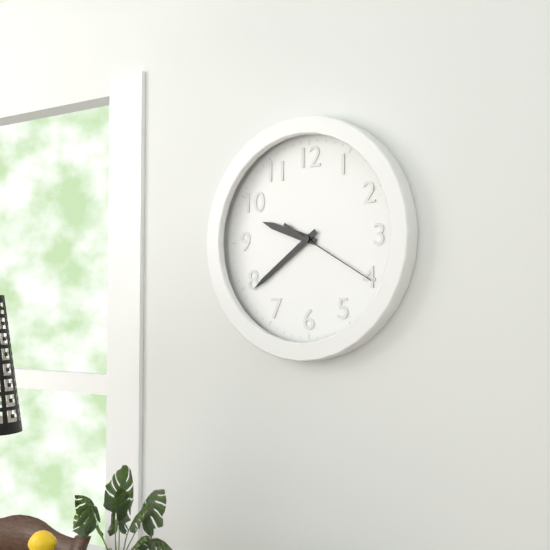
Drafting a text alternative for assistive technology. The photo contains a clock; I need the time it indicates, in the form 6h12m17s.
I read 9h39m20s
